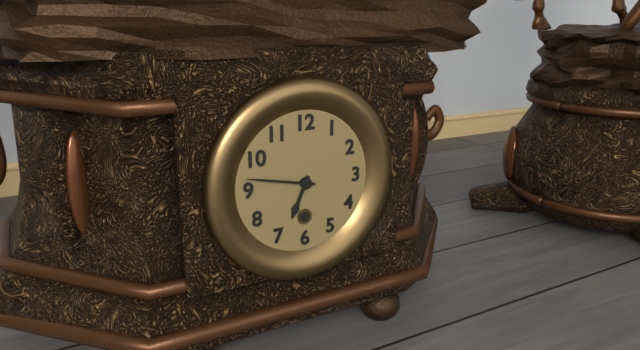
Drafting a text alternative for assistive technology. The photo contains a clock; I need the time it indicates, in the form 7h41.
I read 6h47
